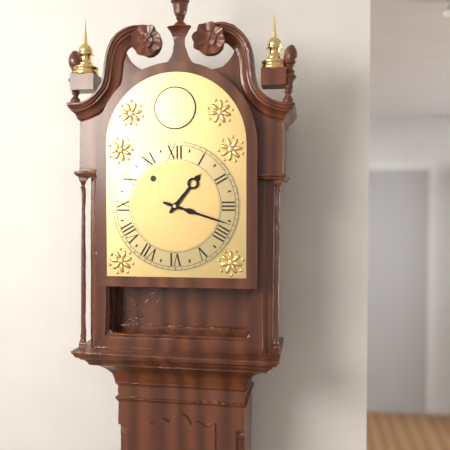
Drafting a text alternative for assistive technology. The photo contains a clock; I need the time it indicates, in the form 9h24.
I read 1h18
